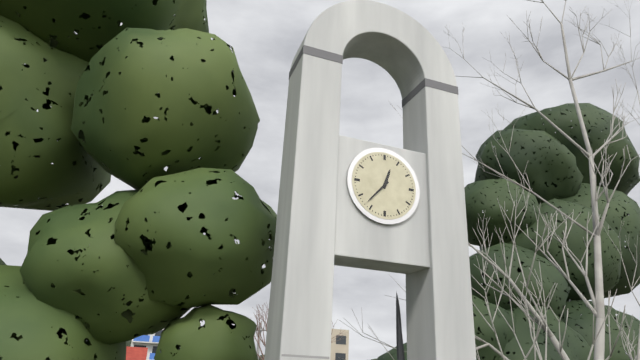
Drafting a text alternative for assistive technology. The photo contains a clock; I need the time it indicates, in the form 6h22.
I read 12h37
